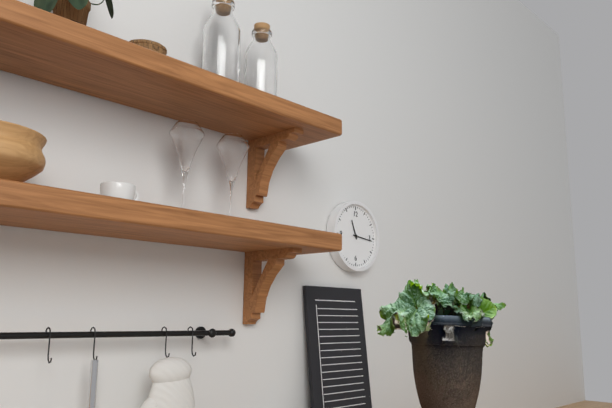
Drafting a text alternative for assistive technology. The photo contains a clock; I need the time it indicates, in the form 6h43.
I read 11h16
